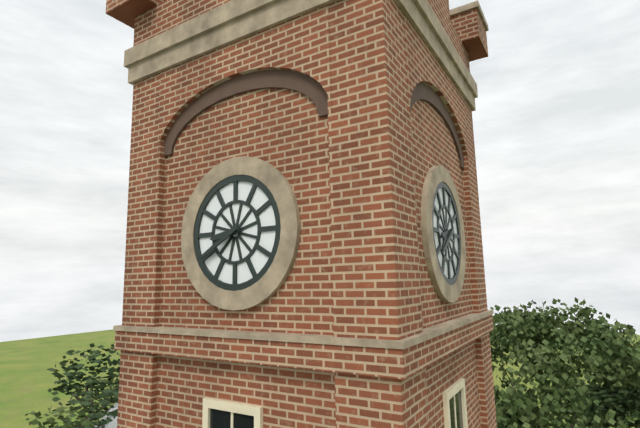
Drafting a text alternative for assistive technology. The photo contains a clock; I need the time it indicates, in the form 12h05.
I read 8h40
